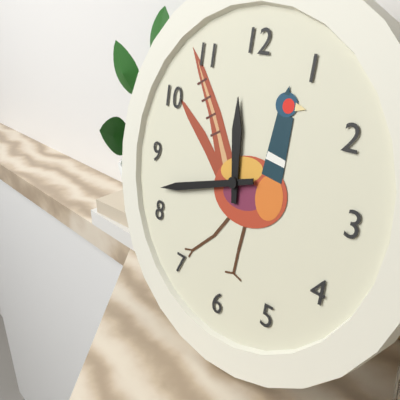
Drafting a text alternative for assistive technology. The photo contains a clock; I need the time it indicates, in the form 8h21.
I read 11h42
